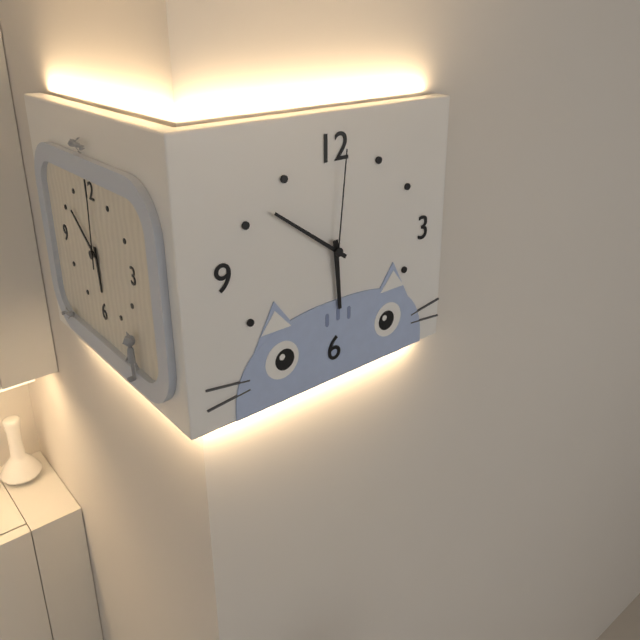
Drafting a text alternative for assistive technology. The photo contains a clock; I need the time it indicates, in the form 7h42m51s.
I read 5h51m01s
